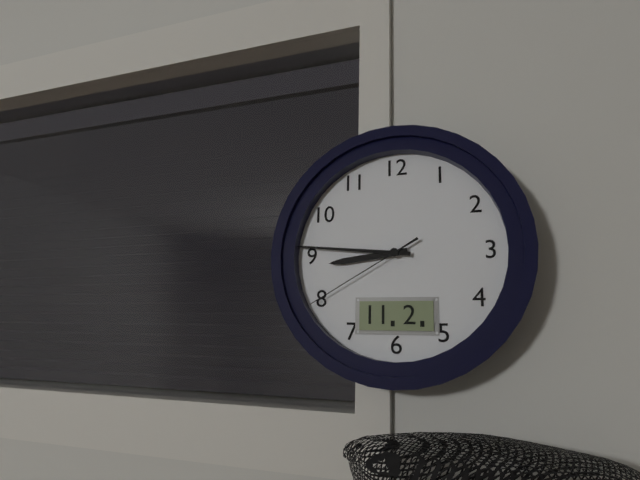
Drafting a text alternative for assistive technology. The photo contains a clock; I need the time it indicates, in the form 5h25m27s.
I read 8h46m40s
